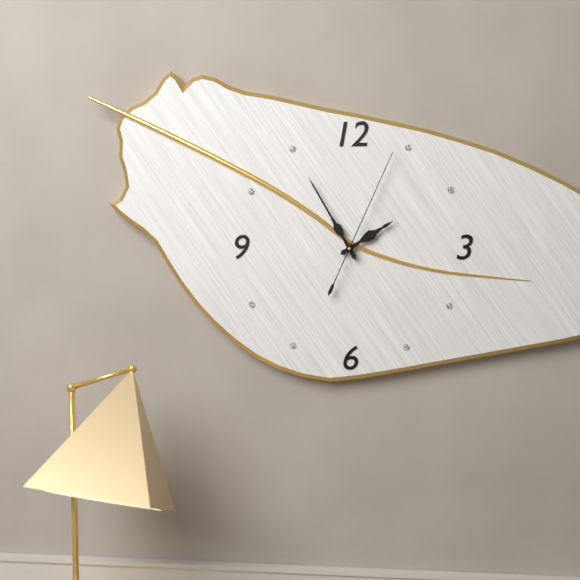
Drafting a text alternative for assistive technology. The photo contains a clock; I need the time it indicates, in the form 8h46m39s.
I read 1h55m04s
